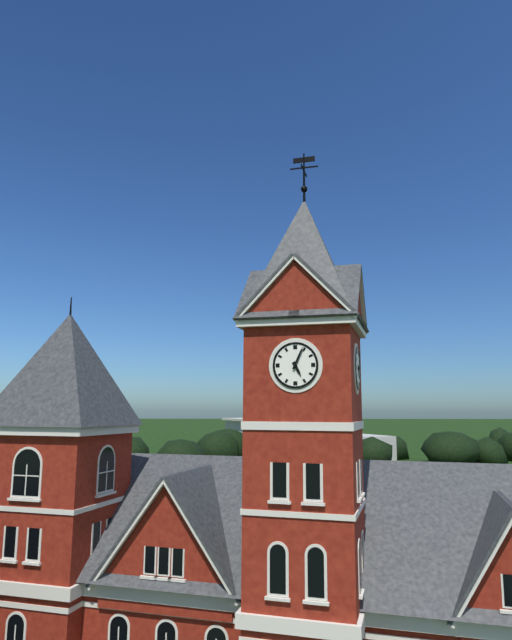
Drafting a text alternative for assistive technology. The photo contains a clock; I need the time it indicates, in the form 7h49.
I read 5h04
